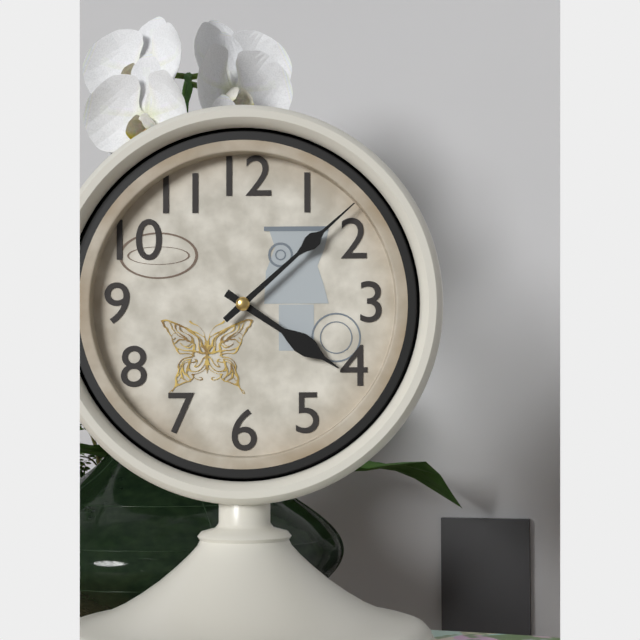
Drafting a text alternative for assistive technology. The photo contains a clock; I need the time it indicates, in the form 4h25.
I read 4h08
